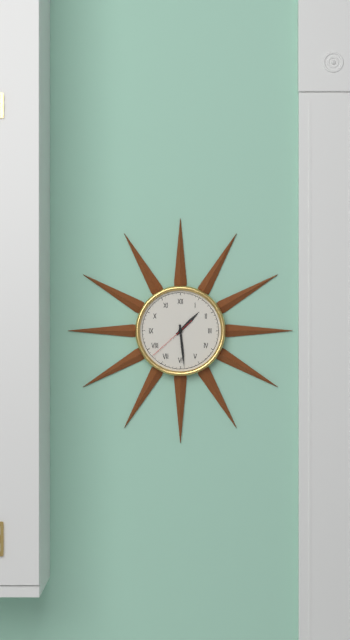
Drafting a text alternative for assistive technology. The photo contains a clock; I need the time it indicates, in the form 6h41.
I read 1h29
